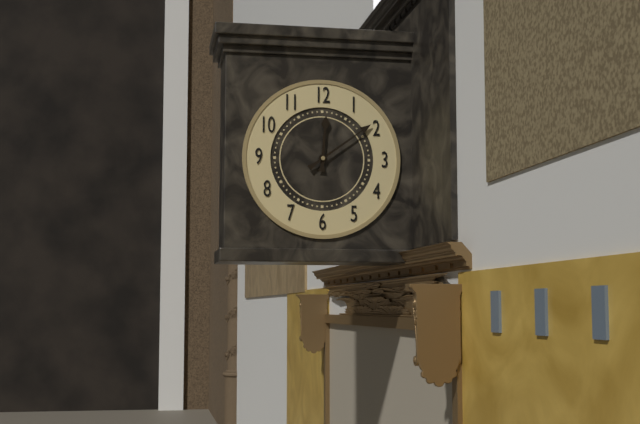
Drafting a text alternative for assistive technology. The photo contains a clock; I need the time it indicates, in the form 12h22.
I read 12h09
